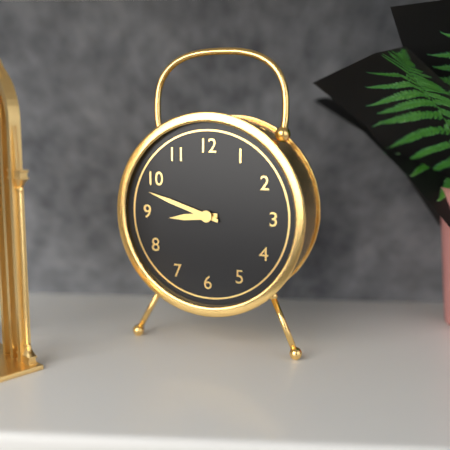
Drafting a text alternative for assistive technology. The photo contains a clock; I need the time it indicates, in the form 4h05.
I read 8h48
